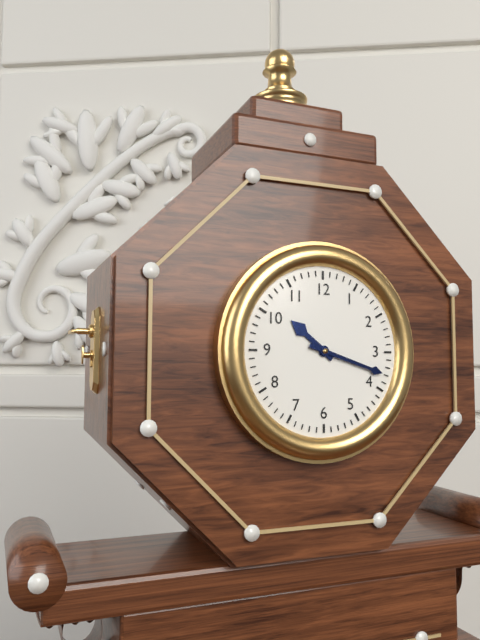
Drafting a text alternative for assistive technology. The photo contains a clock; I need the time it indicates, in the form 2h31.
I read 10h18
